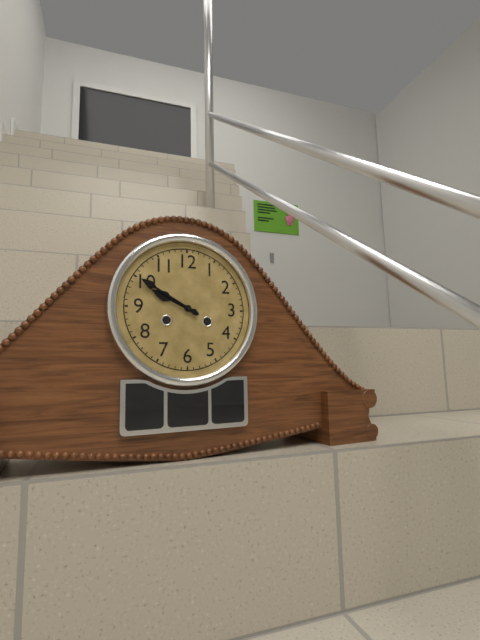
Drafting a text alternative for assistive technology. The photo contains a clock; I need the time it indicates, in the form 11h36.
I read 9h50
